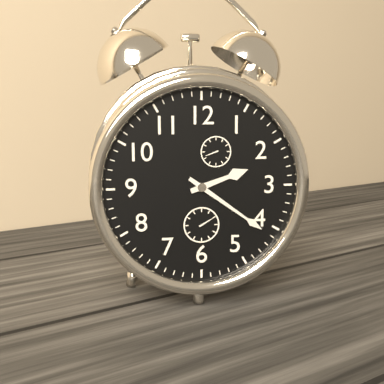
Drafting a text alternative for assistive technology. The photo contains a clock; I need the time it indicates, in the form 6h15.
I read 2h21
